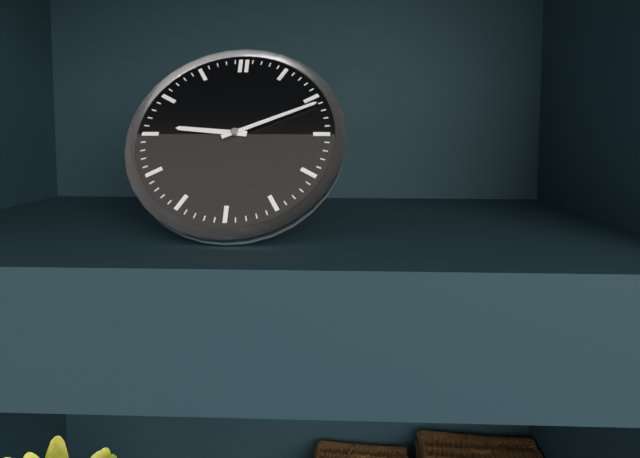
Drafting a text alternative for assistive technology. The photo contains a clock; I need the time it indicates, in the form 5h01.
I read 9h11
